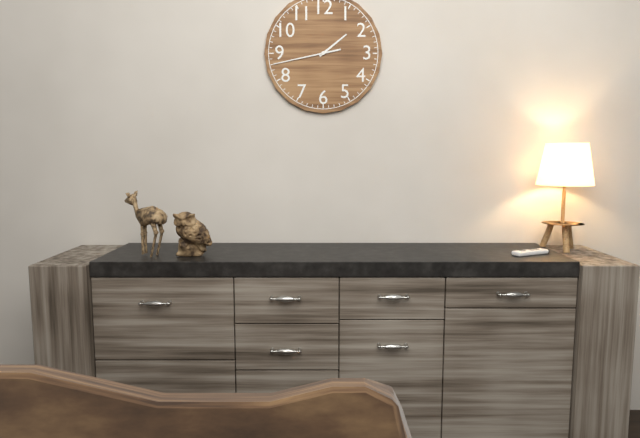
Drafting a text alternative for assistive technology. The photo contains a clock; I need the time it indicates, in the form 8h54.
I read 1h43
